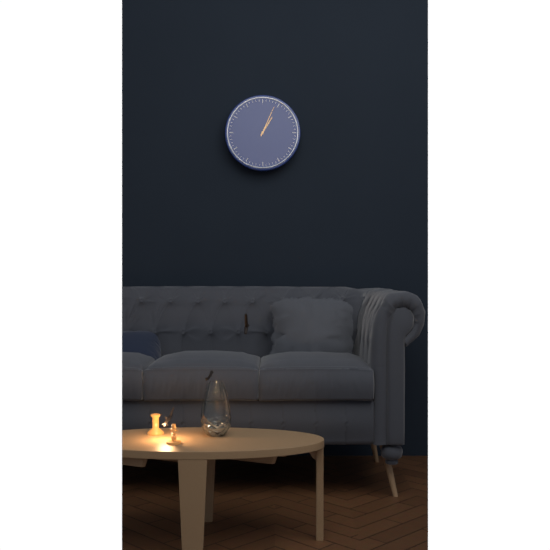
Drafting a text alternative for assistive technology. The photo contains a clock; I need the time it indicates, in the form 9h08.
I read 1h04
